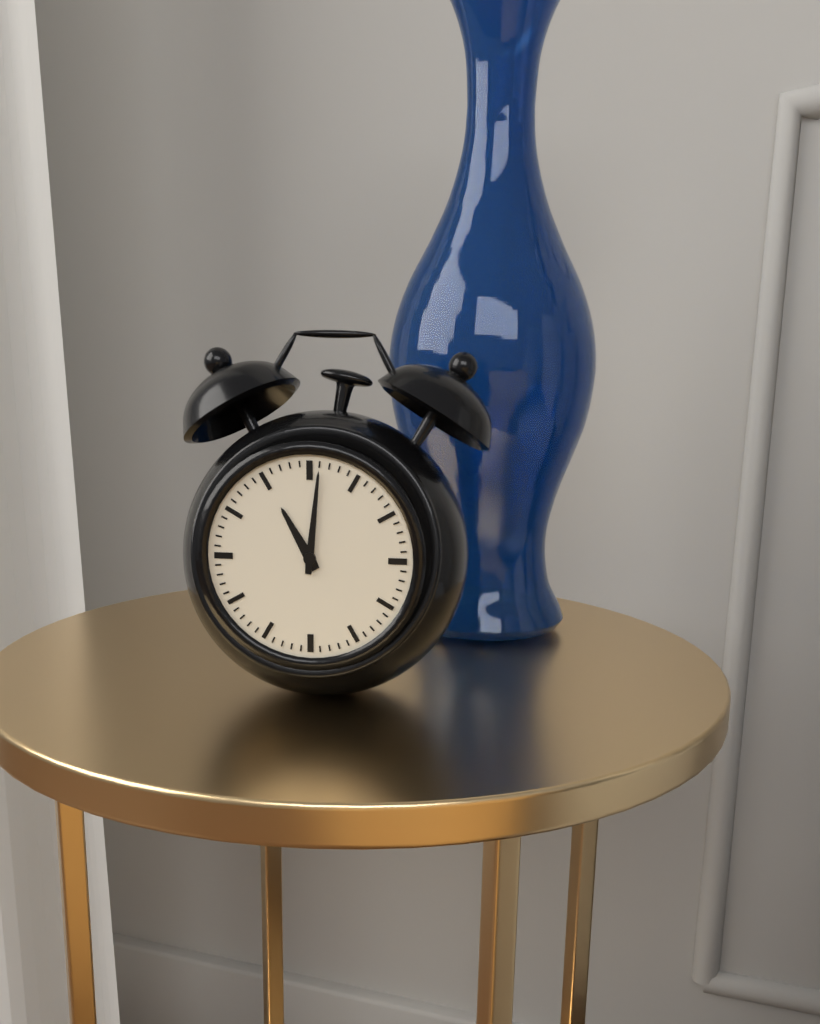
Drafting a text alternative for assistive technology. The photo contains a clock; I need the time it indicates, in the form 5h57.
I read 11h01
